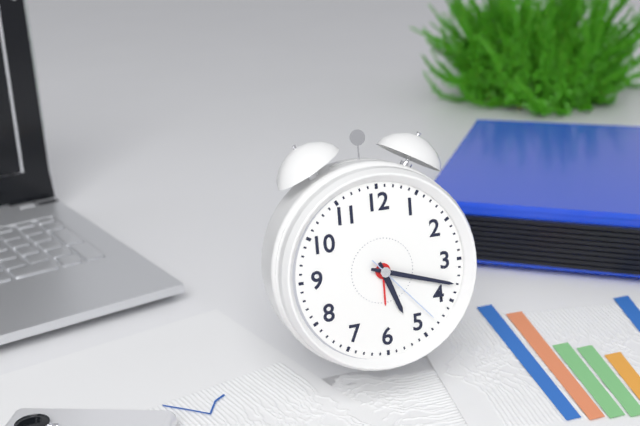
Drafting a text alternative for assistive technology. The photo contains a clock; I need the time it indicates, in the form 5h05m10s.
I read 5h18m23s
